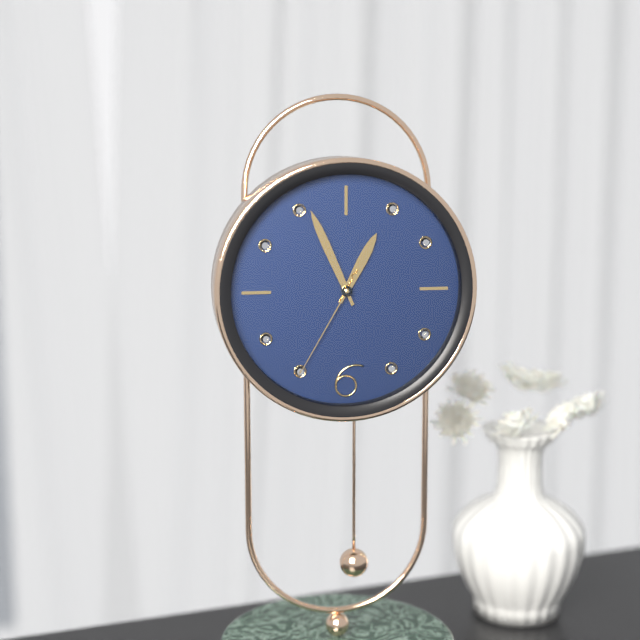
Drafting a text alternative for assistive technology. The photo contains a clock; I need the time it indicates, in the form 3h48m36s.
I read 12h56m35s
